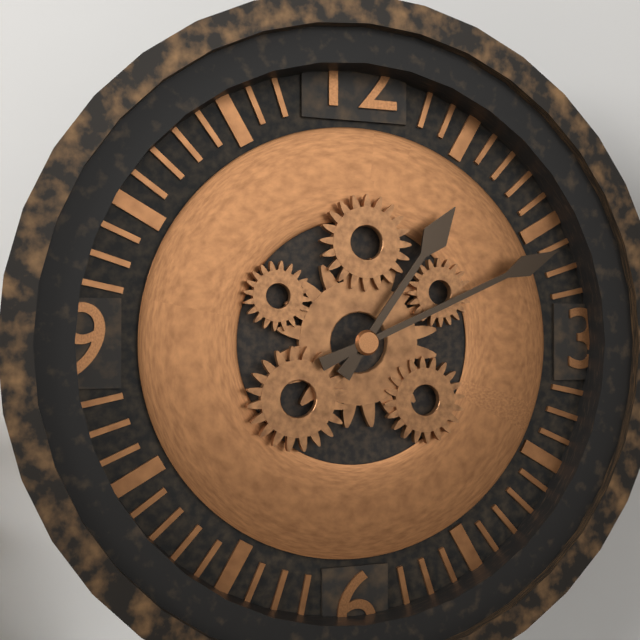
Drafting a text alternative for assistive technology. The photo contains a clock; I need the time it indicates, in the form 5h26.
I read 1h11
